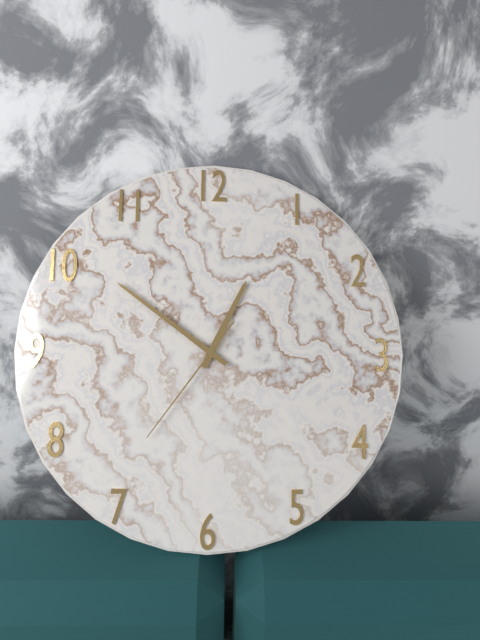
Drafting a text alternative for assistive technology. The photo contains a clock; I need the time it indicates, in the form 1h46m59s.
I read 12h51m36s
